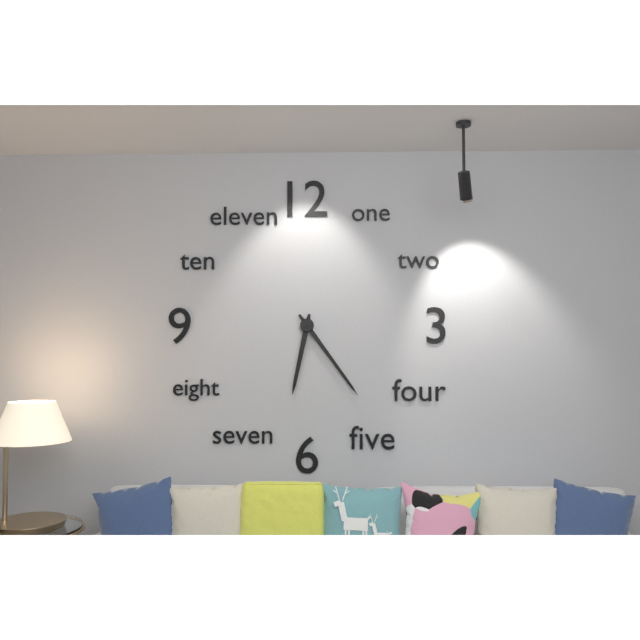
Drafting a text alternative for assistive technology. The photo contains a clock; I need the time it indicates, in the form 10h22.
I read 6h24
